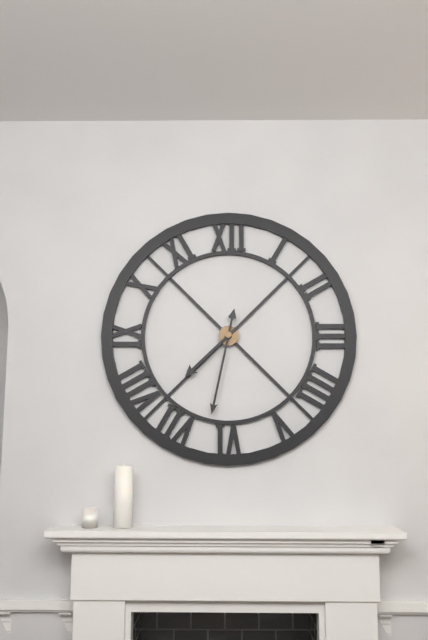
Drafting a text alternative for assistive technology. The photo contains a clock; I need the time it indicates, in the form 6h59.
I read 7h32
